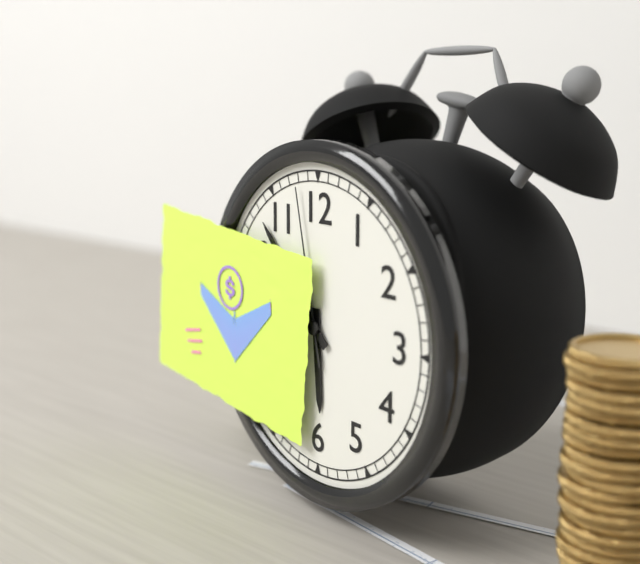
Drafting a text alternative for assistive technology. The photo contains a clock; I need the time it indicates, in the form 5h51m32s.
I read 5h53m58s
